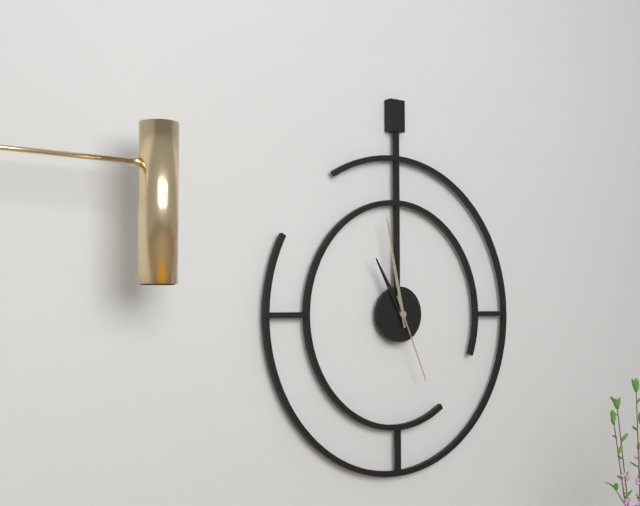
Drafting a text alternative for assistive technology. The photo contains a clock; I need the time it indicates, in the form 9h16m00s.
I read 10h58m26s
